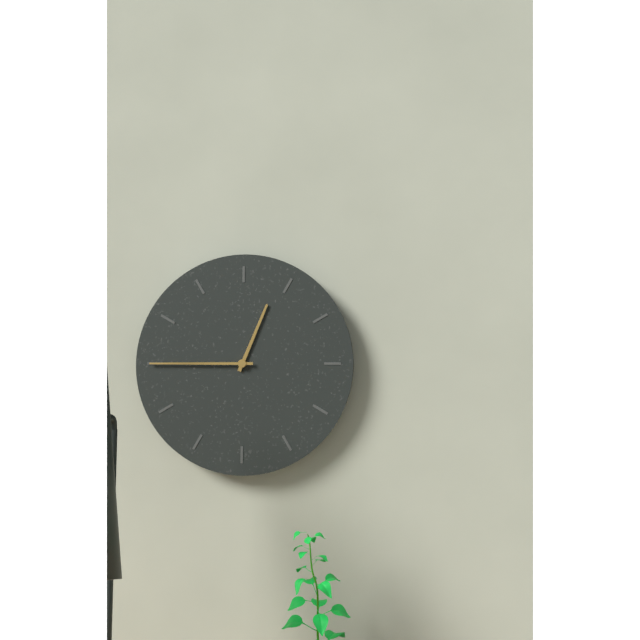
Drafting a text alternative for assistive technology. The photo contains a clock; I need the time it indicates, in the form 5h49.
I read 12h45
